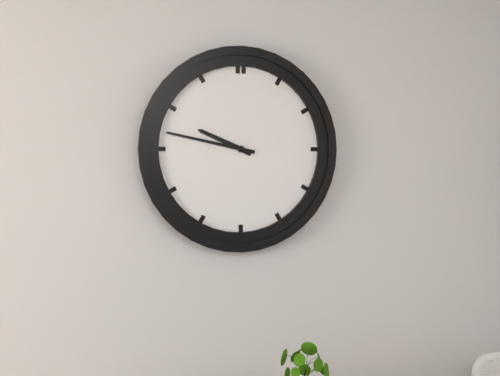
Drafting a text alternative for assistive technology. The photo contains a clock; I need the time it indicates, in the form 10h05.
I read 9h47
